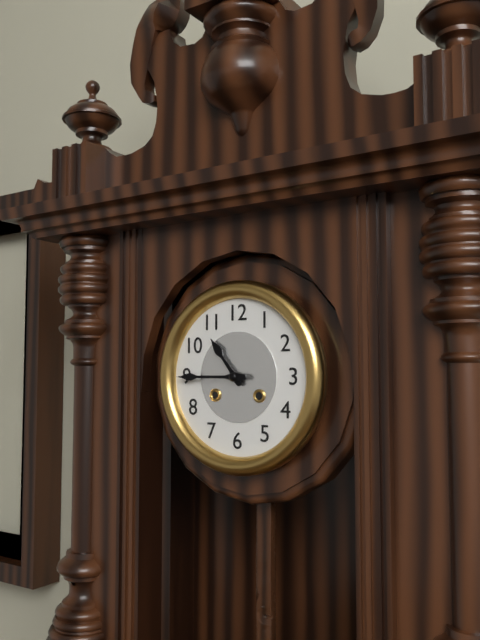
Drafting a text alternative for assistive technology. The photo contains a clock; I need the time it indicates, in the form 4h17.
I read 10h45
